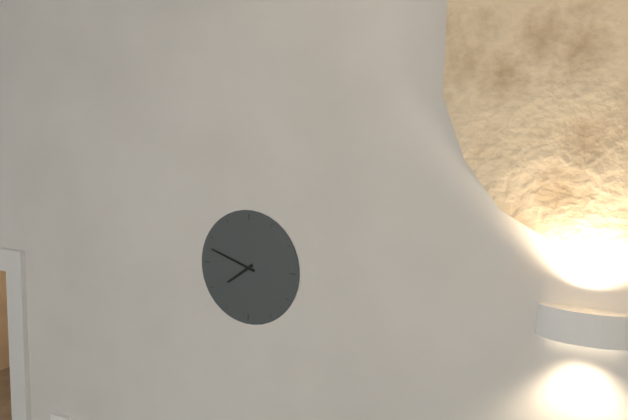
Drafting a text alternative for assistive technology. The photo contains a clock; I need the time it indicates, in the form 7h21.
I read 7h48
